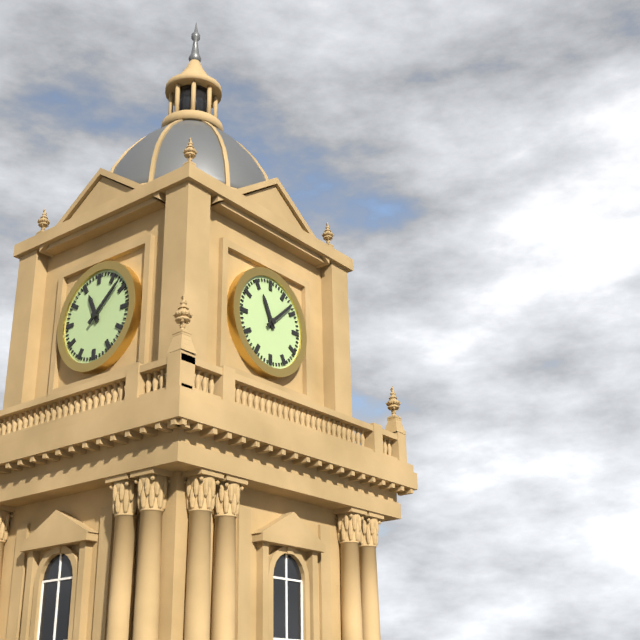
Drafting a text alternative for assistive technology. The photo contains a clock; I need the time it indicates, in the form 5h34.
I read 11h08
